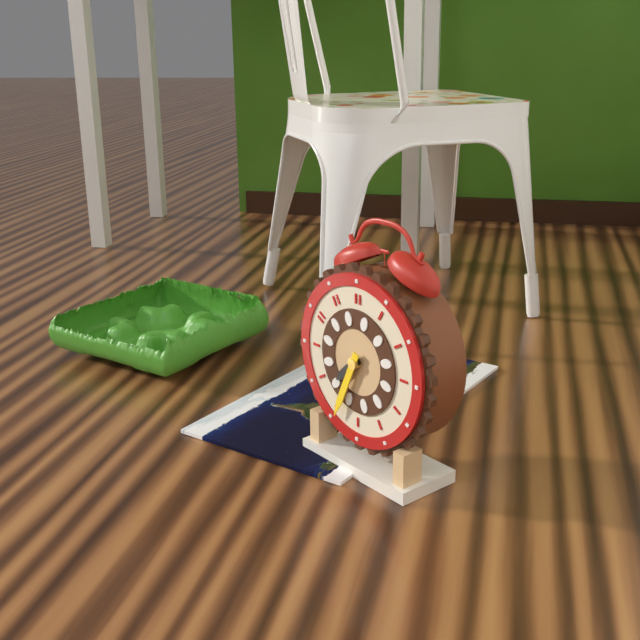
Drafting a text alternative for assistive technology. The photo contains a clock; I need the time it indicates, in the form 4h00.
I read 7h34
